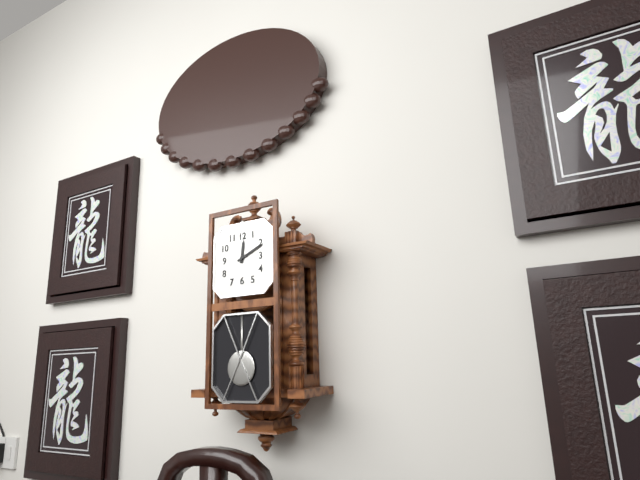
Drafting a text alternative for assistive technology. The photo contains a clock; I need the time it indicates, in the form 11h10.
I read 12h11
